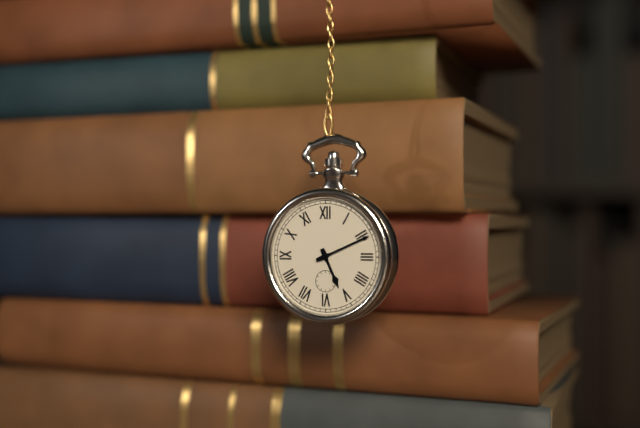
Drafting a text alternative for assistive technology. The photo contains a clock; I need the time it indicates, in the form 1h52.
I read 5h11
